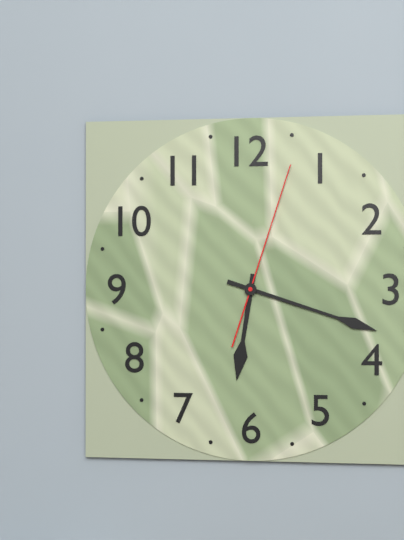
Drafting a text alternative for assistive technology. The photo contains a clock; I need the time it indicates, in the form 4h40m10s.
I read 6h18m03s
